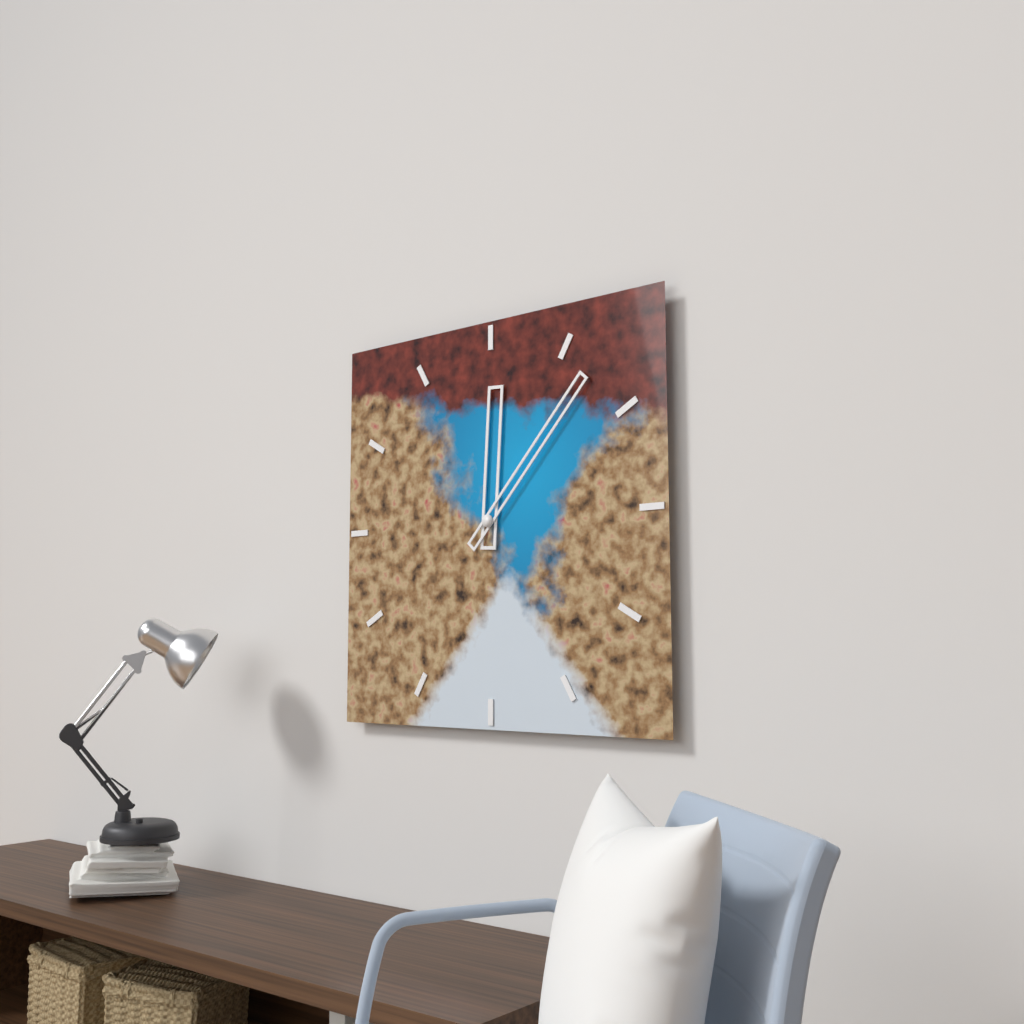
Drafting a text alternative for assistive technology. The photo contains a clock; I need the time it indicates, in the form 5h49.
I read 12h07
